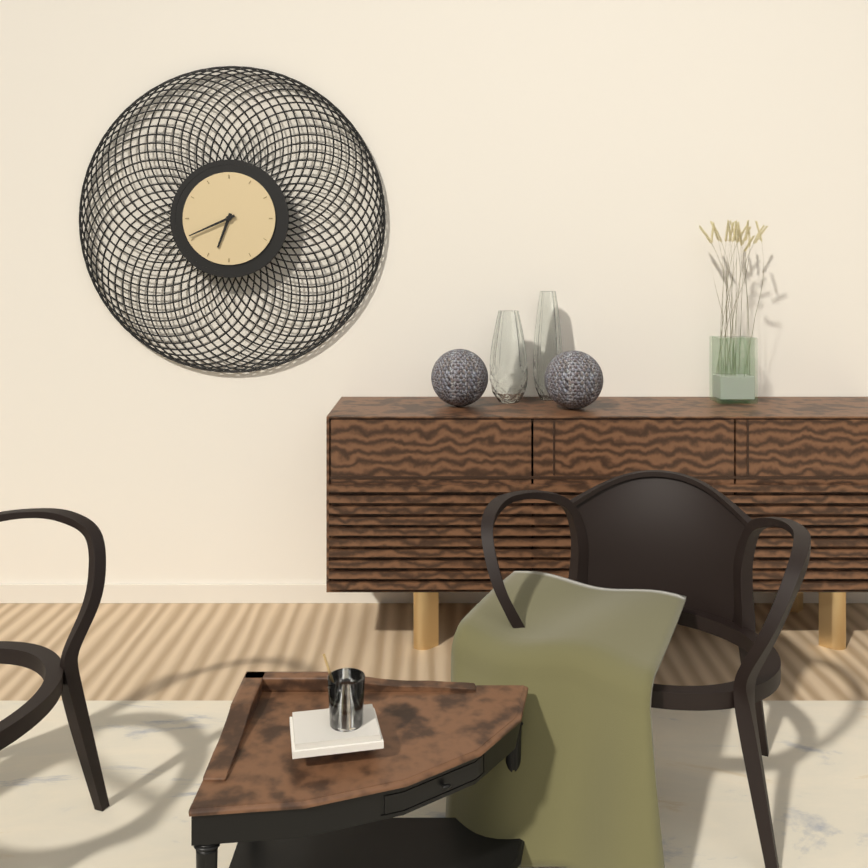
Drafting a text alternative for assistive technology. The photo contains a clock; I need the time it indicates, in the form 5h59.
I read 6h41
